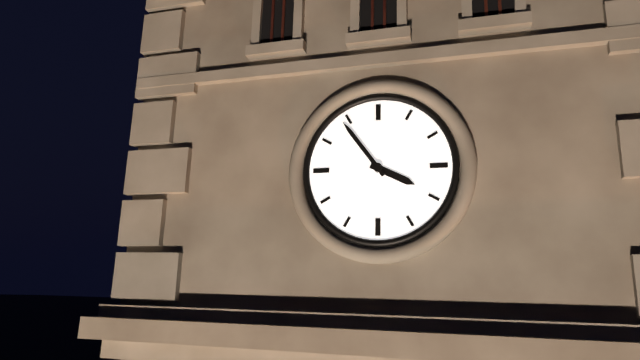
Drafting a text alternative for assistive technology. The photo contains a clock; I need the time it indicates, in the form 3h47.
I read 3h54
